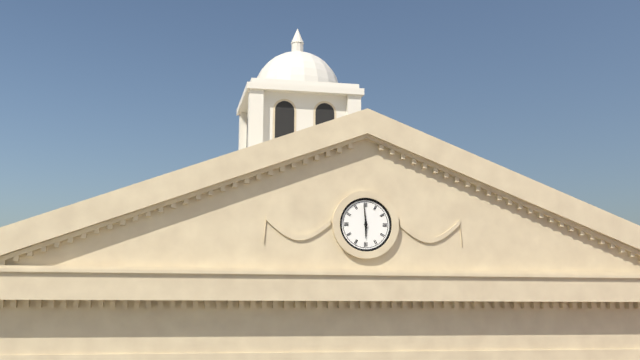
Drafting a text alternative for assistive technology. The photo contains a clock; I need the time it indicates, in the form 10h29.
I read 5h59
